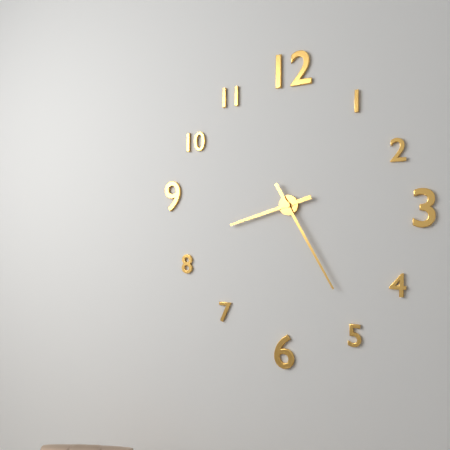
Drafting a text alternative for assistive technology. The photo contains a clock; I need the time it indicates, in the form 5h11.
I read 8h25
